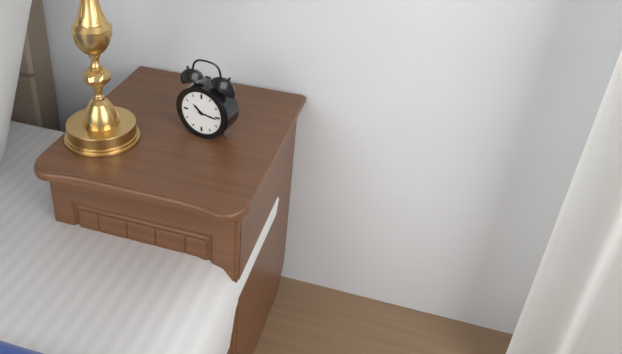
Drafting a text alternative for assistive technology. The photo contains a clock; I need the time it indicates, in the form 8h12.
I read 10h16
